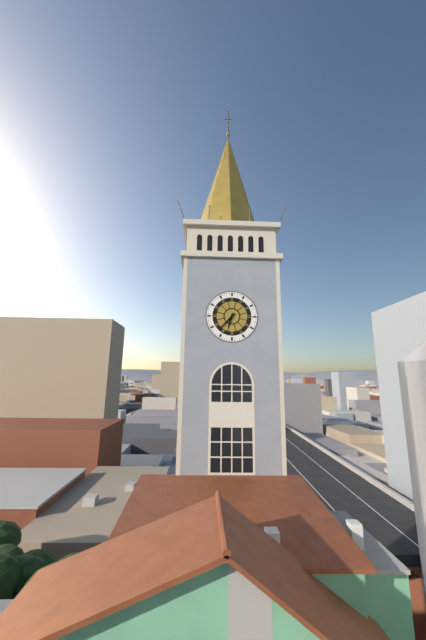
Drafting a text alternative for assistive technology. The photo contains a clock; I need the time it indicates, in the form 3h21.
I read 6h37
